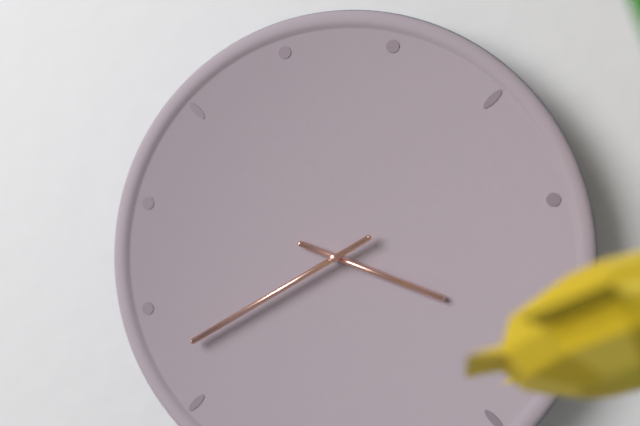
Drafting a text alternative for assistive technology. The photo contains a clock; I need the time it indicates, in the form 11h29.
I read 3h40
